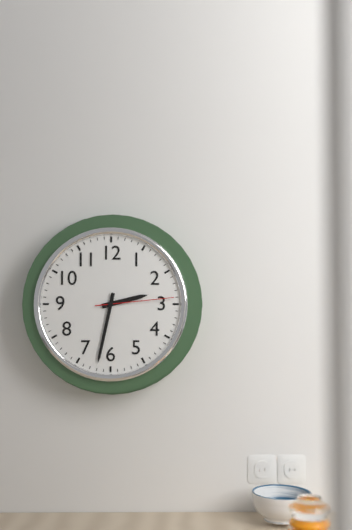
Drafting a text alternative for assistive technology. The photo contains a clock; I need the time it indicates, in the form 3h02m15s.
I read 2h32m14s
